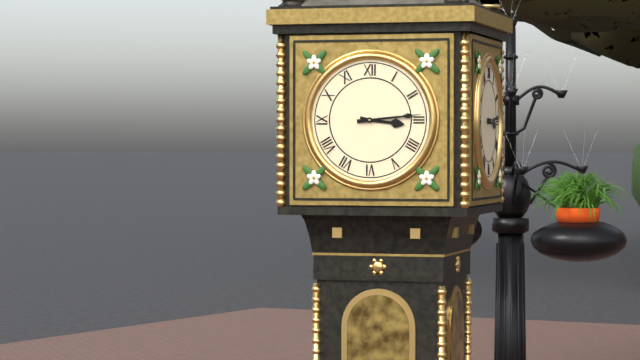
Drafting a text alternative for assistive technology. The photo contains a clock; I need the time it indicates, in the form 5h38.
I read 3h14
